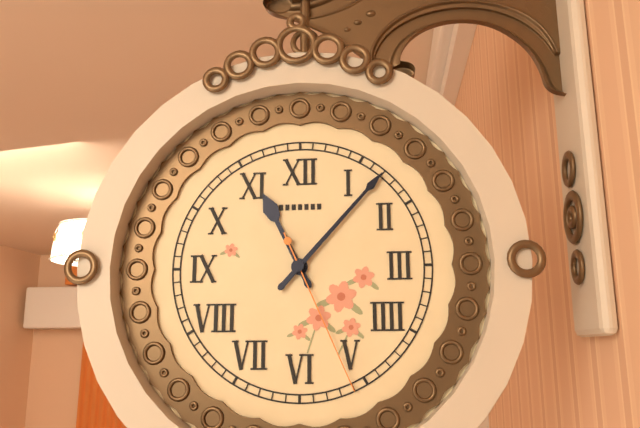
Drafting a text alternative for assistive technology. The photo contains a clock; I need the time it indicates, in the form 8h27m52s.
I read 11h07m26s
